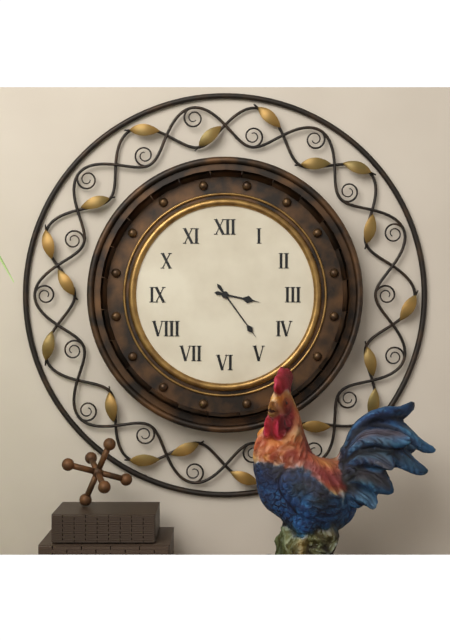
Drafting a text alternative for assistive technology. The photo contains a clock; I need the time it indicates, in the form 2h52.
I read 3h24
